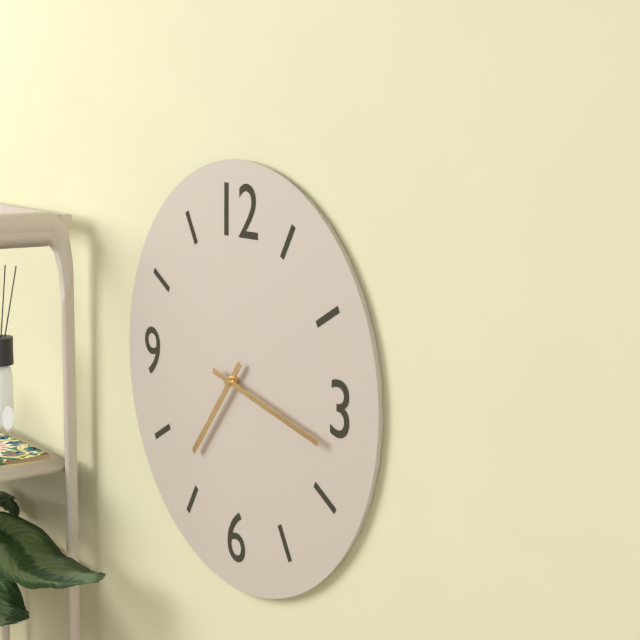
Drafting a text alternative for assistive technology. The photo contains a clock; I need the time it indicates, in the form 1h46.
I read 7h17
